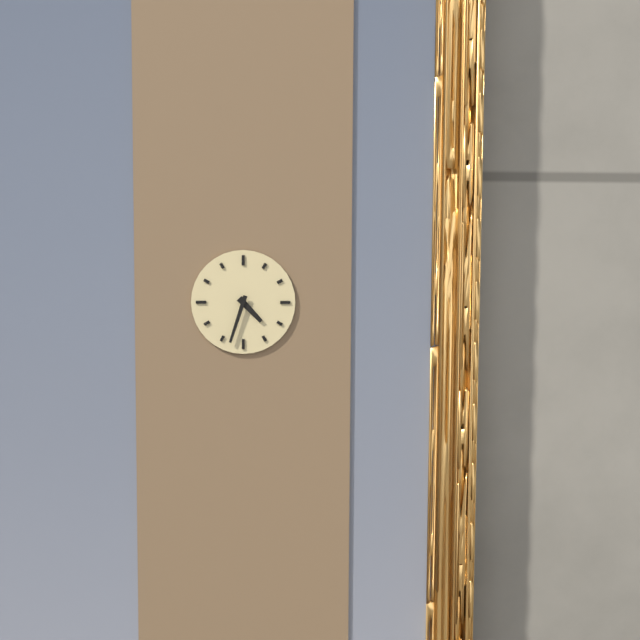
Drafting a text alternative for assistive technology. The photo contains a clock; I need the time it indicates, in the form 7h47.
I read 4h33
